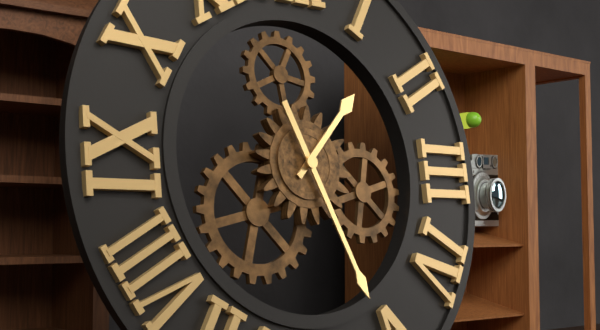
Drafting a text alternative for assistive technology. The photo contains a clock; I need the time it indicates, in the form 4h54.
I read 1h26
